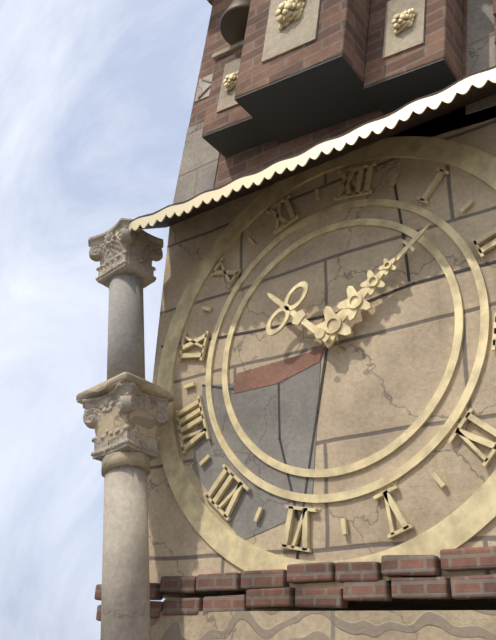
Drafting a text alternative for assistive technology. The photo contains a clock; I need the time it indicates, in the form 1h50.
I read 10h07
